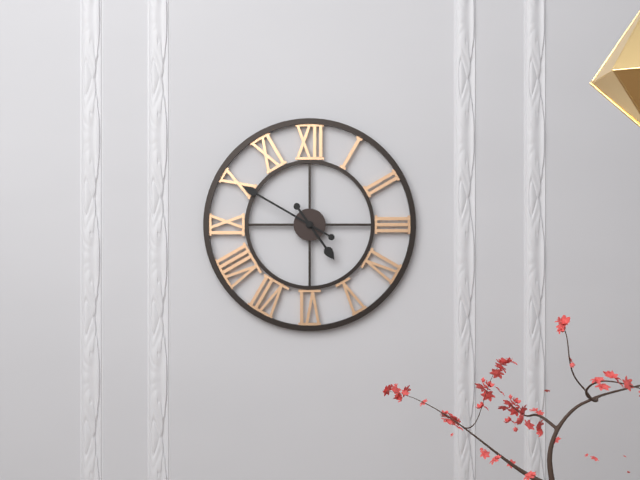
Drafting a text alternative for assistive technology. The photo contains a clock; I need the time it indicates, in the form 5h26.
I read 4h50
